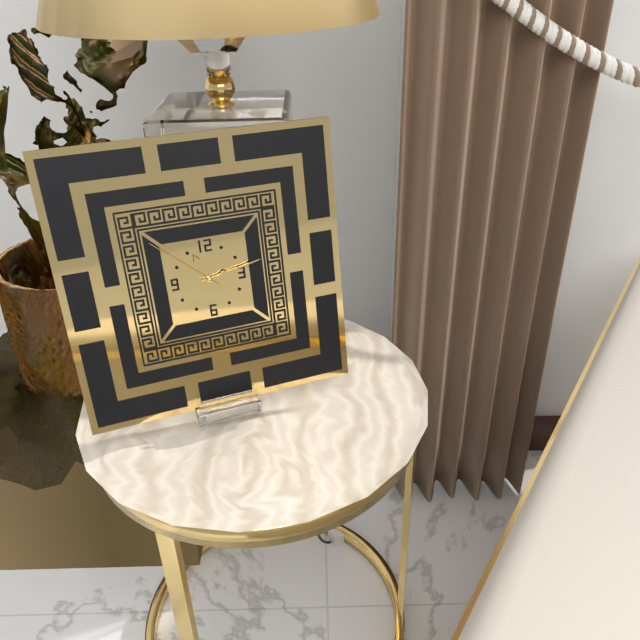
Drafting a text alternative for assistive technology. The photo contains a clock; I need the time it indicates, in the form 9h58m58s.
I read 11h13m52s
